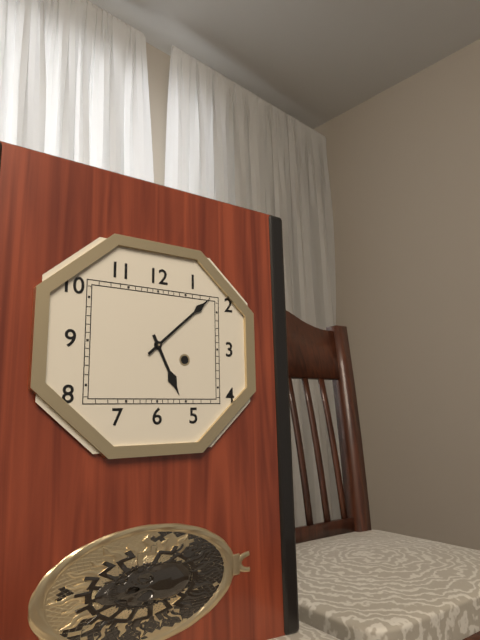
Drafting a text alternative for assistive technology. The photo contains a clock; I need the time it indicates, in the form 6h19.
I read 5h08
